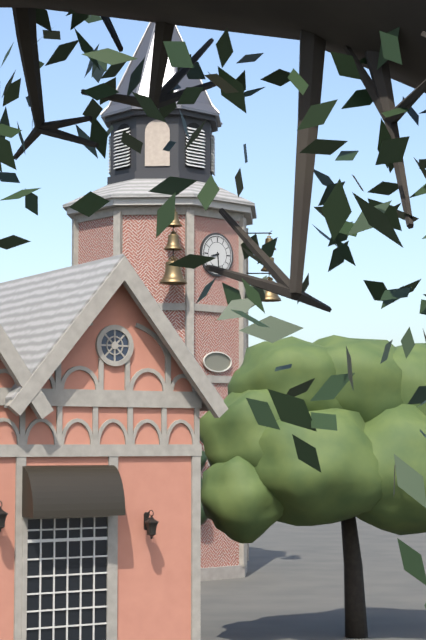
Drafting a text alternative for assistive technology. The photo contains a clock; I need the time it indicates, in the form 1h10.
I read 8h29
